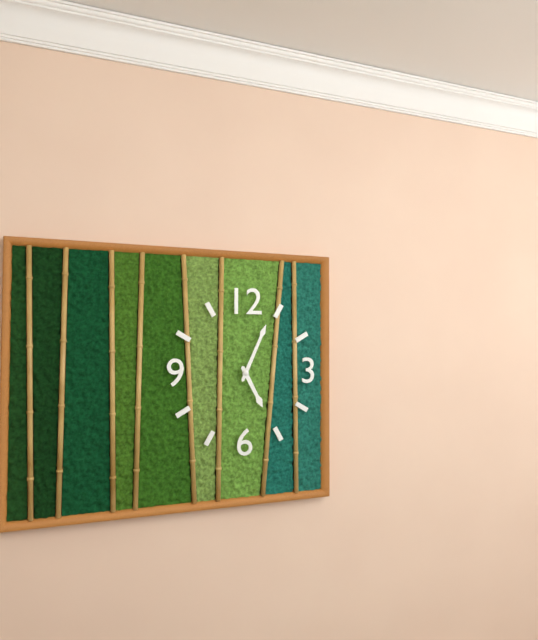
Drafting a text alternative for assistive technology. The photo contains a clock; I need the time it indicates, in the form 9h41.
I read 5h04
